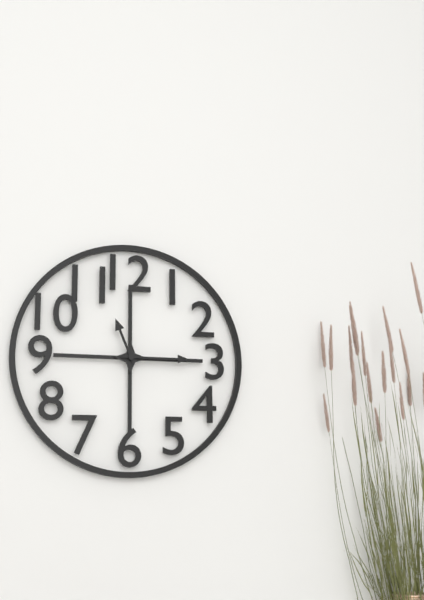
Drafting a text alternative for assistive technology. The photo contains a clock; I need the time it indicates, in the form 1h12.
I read 11h15
